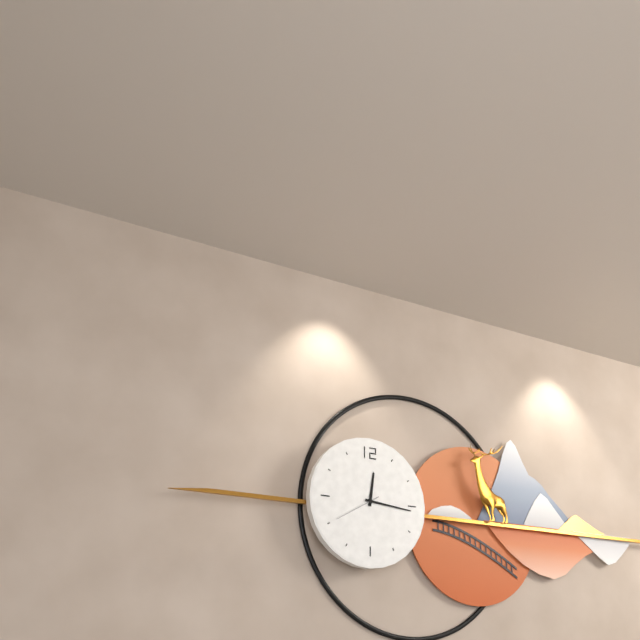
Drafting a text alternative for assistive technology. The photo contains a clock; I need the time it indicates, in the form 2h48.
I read 12h16
